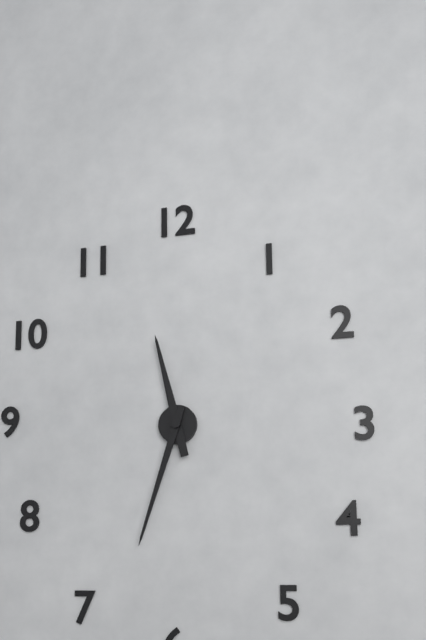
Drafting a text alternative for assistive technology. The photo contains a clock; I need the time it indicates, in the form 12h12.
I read 11h33
